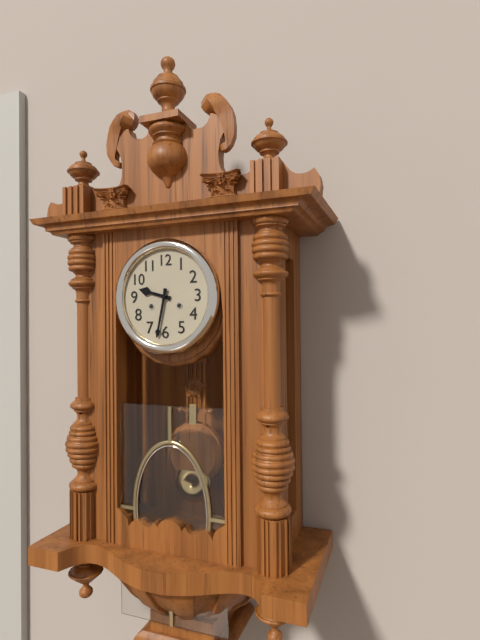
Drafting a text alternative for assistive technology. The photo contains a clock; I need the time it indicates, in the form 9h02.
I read 9h32
